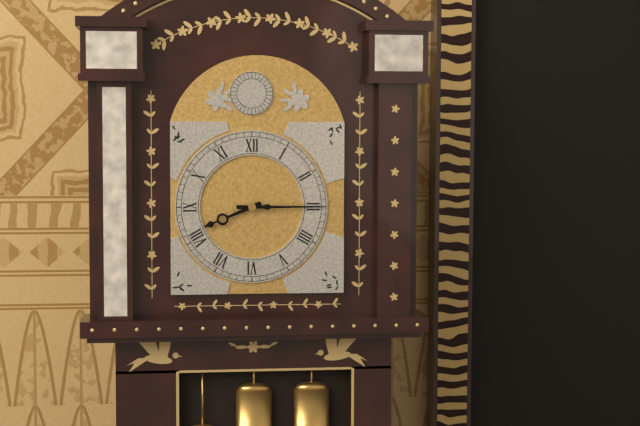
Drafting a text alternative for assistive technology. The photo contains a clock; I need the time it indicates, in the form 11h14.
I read 8h15
